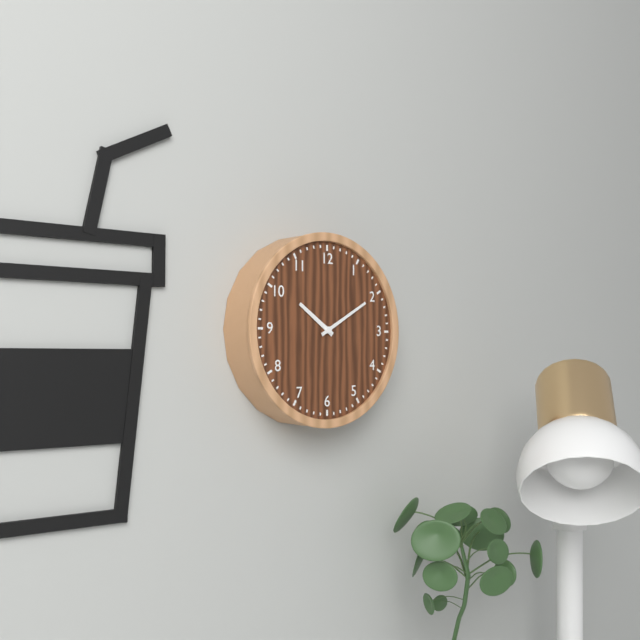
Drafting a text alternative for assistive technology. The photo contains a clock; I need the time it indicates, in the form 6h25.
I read 10h10
